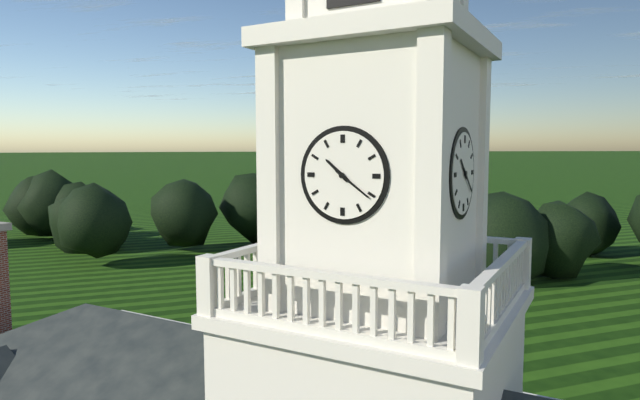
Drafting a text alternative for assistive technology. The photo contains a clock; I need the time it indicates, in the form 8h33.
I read 10h21
